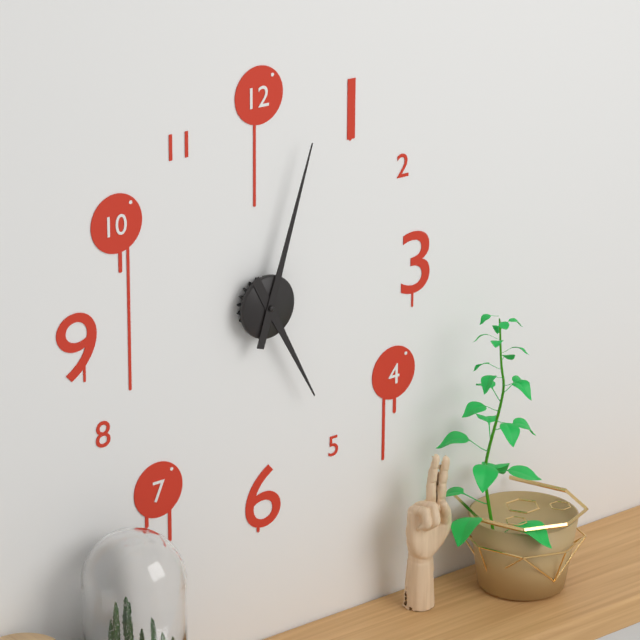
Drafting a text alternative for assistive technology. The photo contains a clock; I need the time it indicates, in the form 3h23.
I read 5h03
